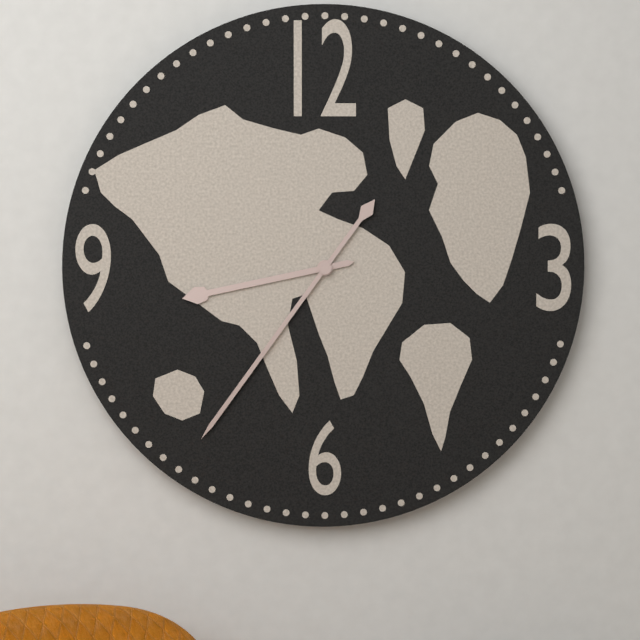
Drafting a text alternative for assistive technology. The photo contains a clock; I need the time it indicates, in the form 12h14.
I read 8h36
